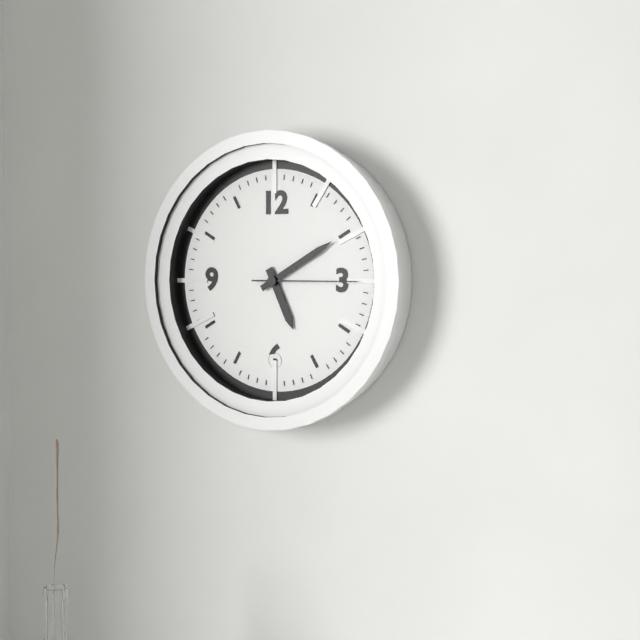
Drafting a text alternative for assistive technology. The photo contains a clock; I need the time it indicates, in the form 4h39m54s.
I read 5h10m15s
